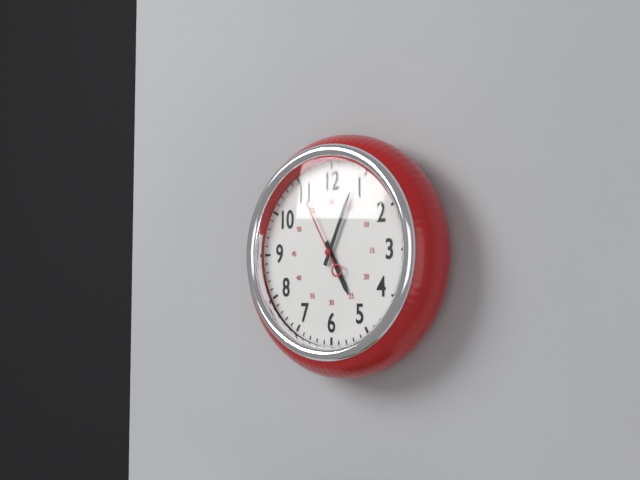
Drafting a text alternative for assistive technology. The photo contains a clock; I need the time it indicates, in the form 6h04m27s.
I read 5h04m55s
